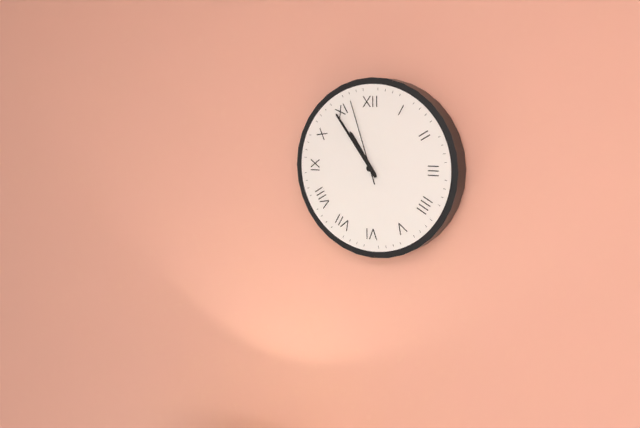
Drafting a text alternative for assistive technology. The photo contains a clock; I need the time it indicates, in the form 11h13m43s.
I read 10h54m57s
